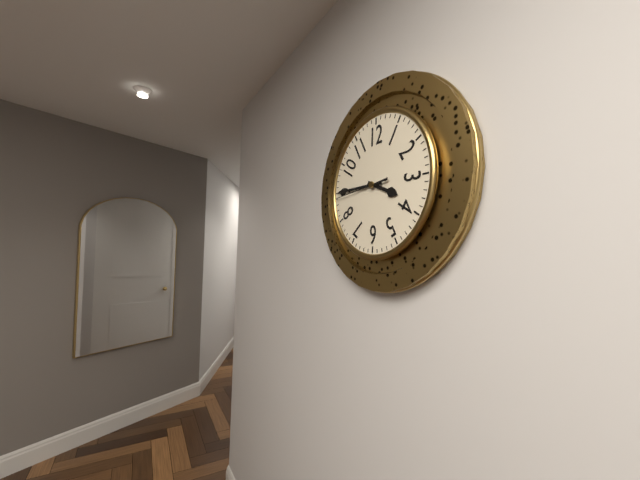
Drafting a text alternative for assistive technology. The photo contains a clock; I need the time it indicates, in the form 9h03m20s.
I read 3h45m44s
